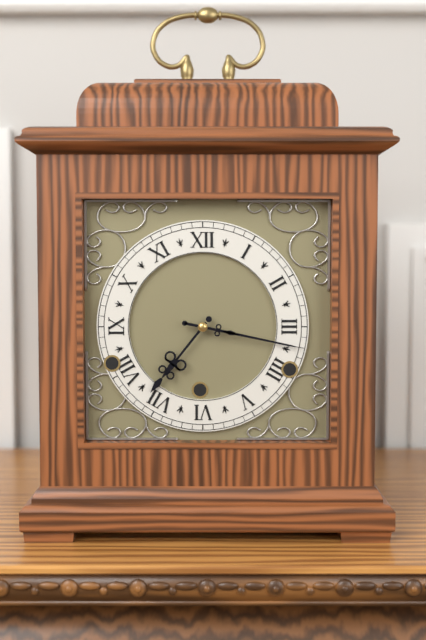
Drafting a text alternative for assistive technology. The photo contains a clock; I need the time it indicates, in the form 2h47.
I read 7h17
